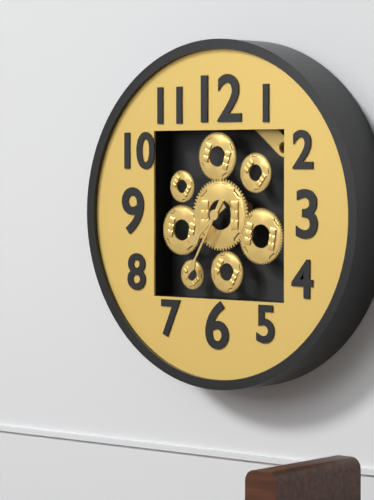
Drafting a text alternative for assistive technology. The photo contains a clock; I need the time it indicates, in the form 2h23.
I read 7h35
